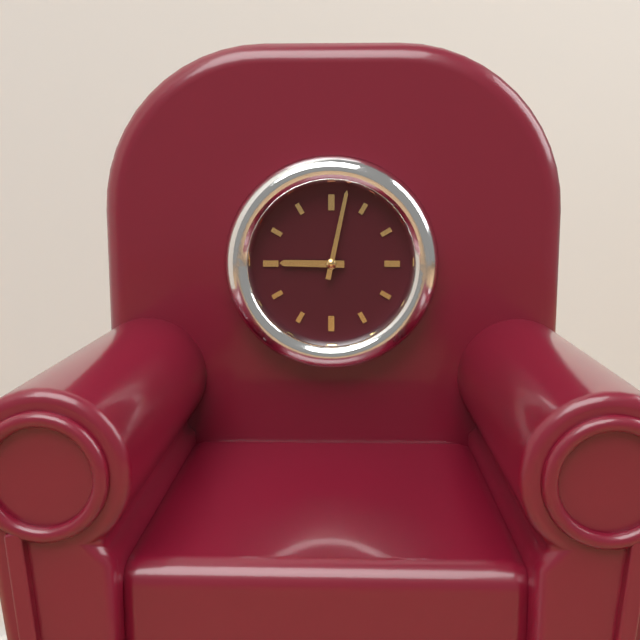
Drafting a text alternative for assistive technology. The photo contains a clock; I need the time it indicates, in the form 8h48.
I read 9h02
